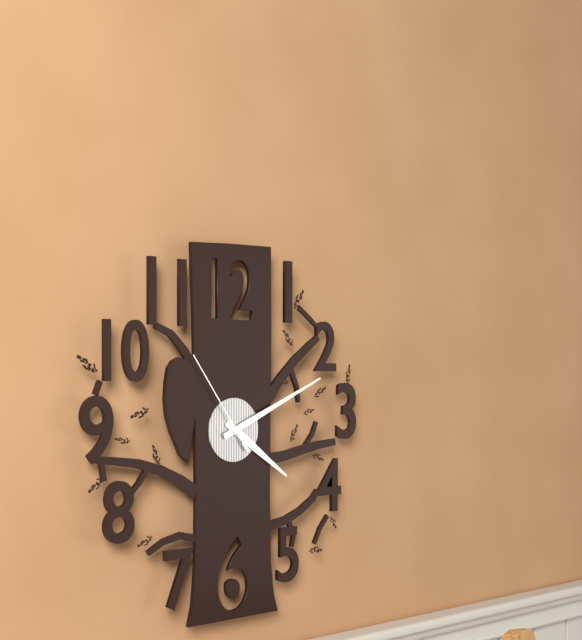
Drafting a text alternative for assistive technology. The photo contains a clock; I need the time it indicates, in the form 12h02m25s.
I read 4h11m54s
